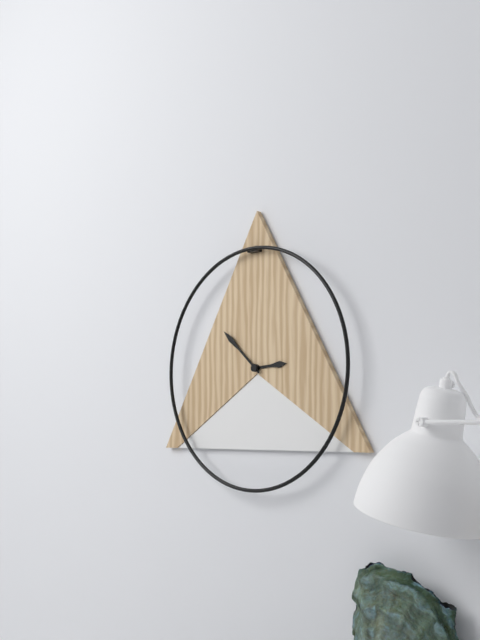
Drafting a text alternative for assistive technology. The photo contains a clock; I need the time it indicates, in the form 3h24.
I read 2h52
